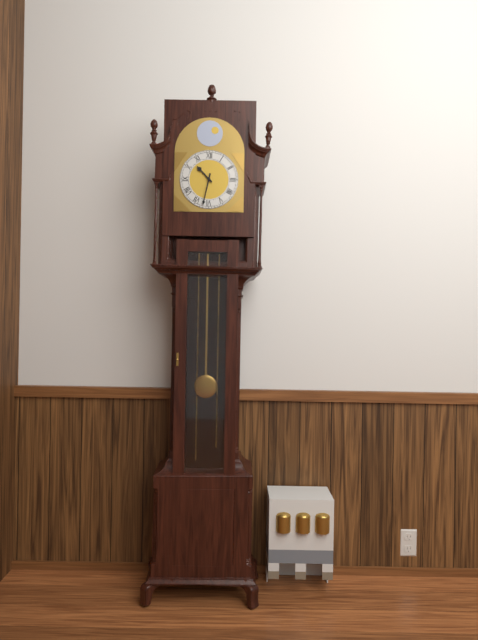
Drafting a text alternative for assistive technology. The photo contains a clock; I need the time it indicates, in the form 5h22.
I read 10h32
